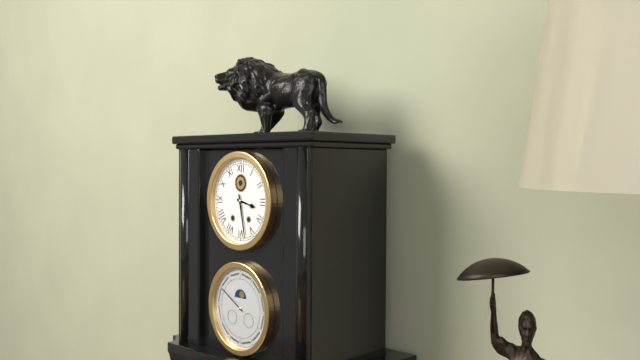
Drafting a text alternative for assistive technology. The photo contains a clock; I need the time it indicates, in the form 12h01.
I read 3h28
